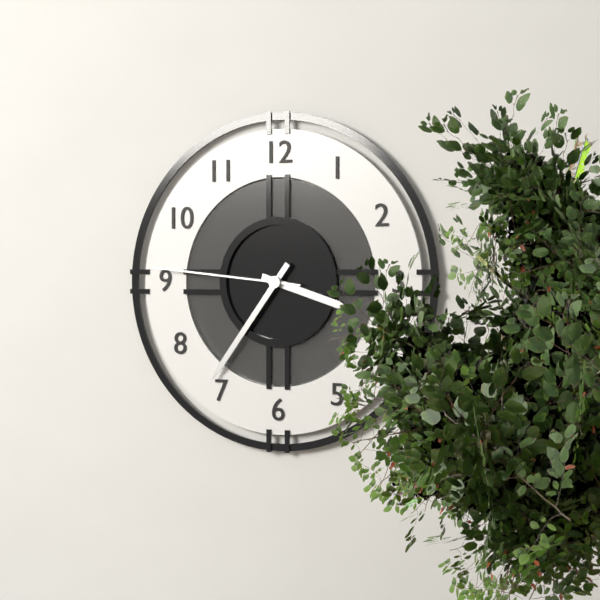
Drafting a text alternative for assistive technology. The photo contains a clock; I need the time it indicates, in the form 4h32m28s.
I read 3h36m46s
